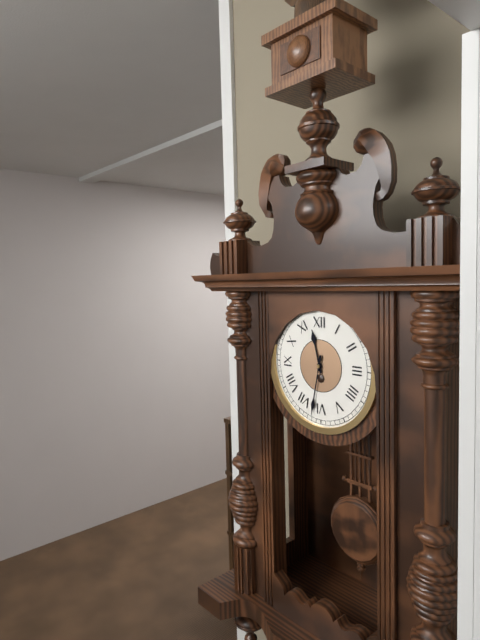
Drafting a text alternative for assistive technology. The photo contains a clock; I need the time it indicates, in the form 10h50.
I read 11h32
